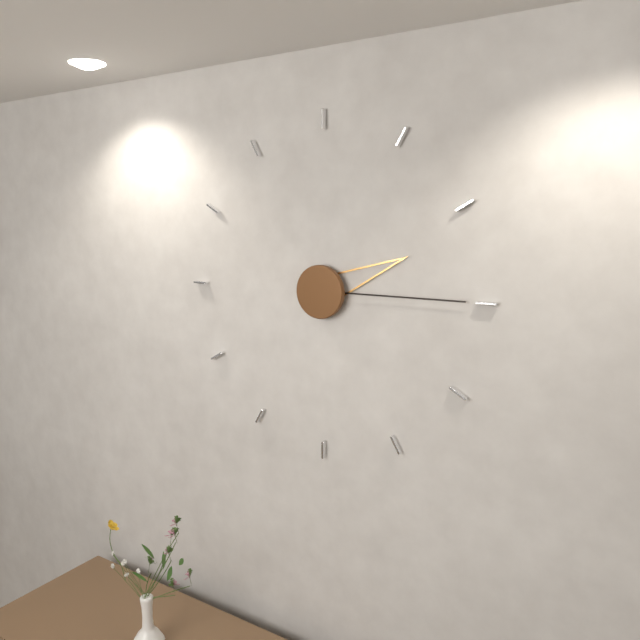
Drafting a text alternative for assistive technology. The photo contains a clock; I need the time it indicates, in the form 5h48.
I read 2h15
